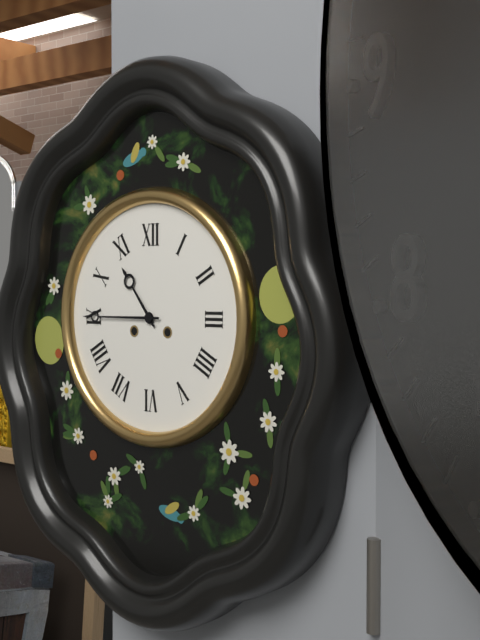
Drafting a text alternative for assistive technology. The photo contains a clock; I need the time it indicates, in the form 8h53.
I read 10h45
